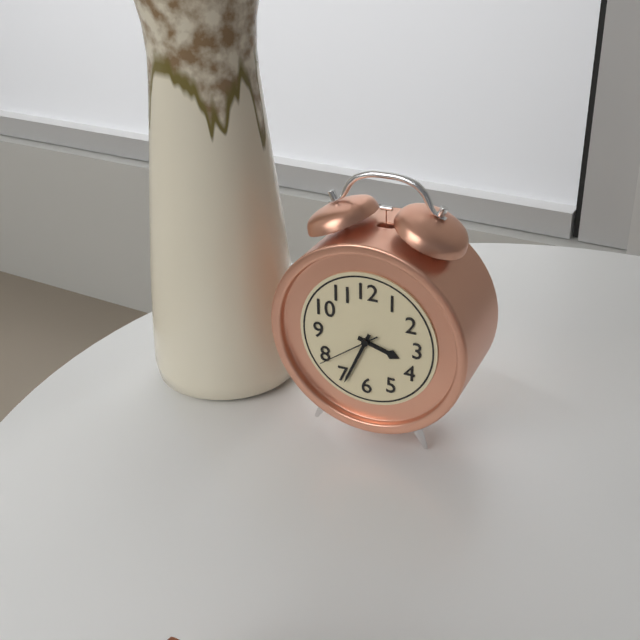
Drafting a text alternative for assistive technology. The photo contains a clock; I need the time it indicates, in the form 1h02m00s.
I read 3h34m39s
